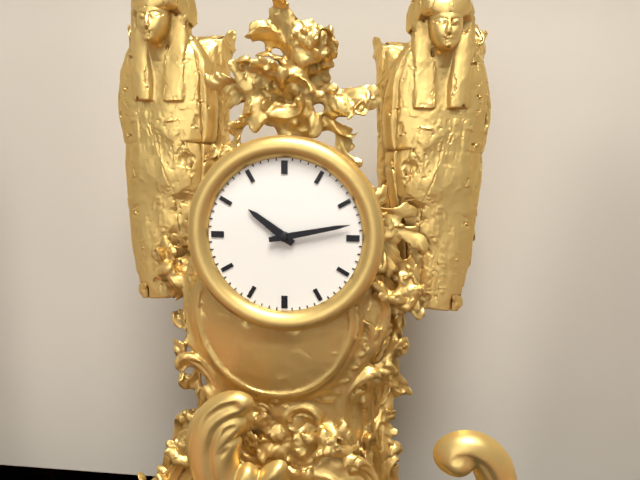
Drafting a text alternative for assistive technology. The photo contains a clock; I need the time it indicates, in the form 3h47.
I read 10h13
